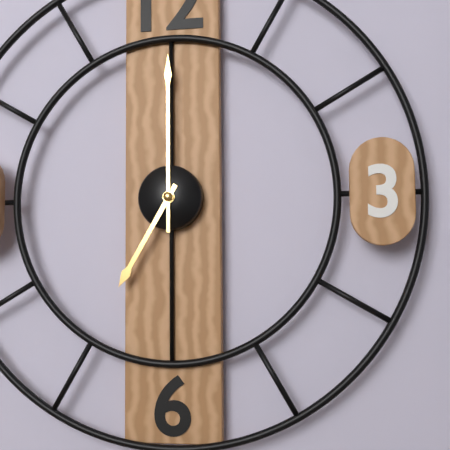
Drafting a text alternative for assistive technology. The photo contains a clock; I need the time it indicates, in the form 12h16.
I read 7h00
